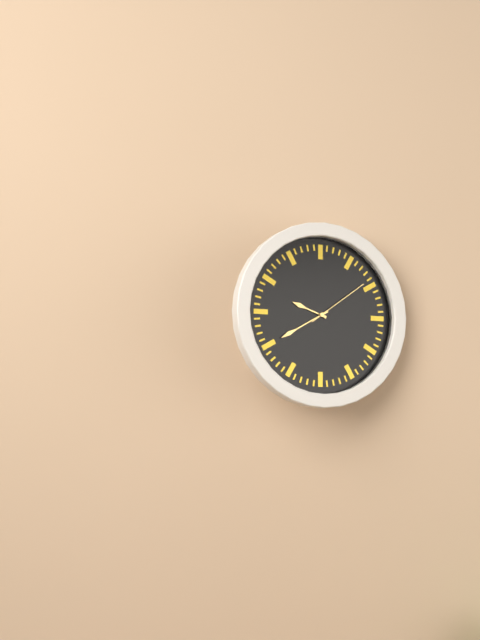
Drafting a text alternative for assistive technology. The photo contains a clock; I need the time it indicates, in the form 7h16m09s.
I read 9h40m09s
